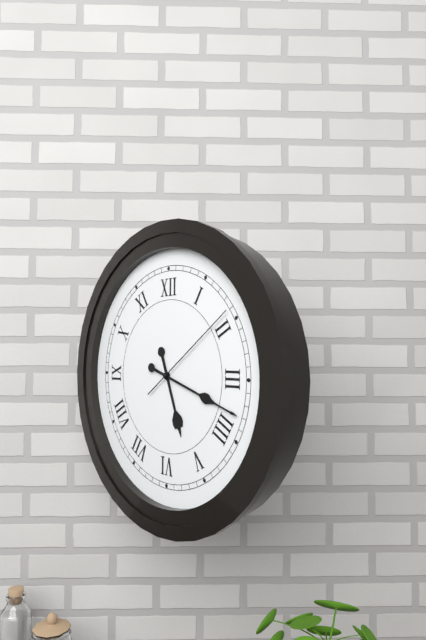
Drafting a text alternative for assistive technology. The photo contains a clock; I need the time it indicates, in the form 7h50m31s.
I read 5h18m09s
